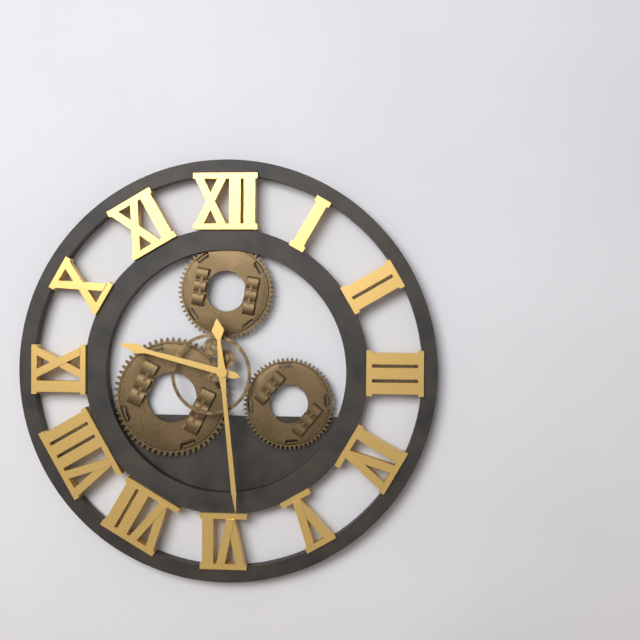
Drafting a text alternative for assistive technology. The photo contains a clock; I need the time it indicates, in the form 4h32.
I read 9h29
